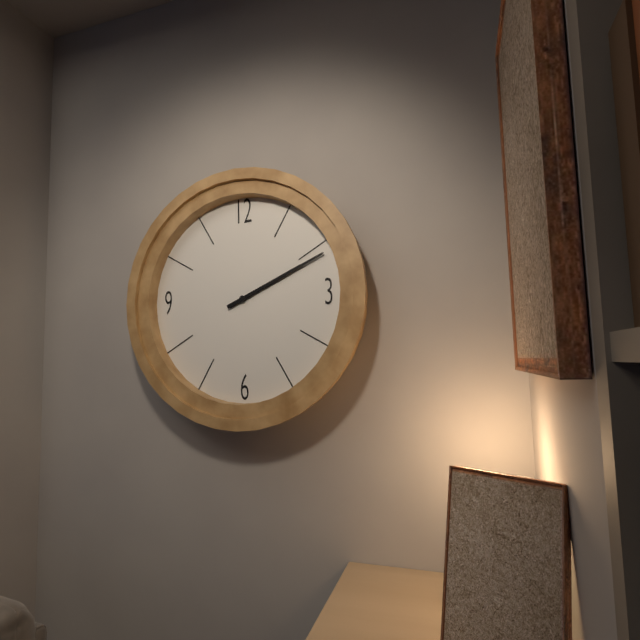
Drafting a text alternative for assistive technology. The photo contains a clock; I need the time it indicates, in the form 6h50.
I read 2h11
